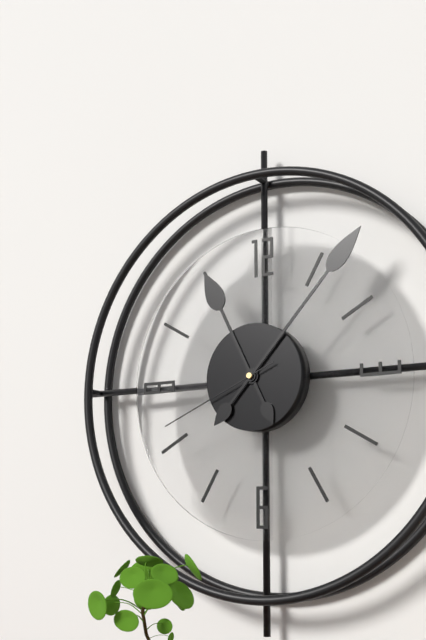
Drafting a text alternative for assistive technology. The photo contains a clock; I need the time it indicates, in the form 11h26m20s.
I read 11h07m41s
